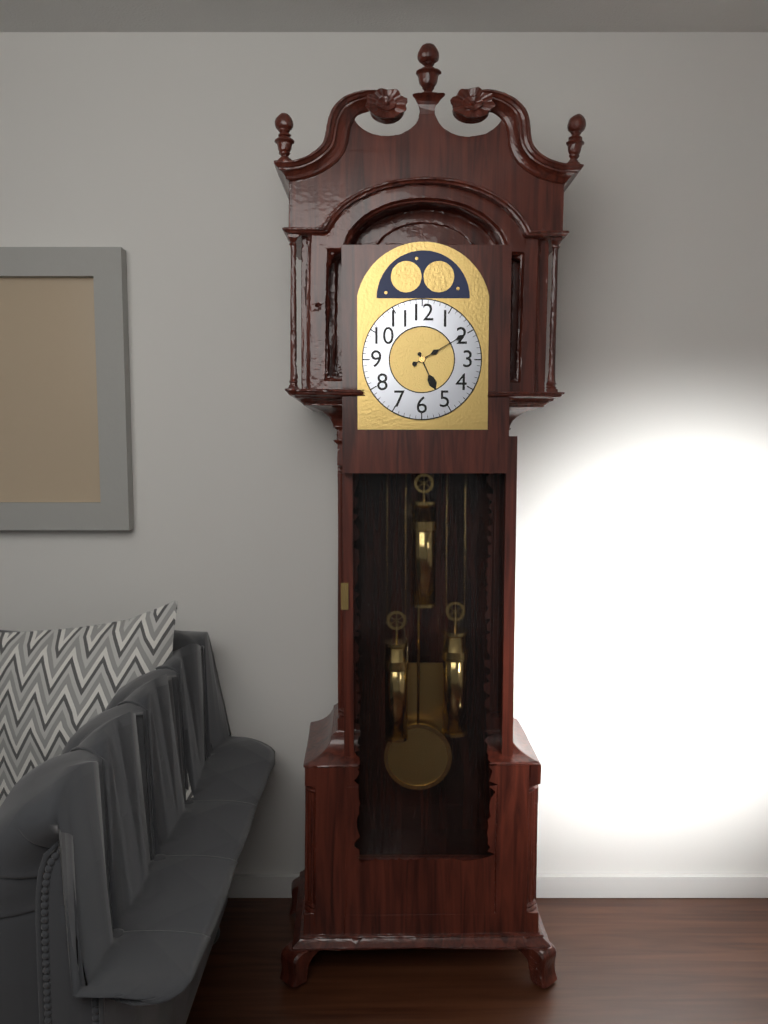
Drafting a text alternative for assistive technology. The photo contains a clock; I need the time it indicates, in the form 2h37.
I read 5h10
